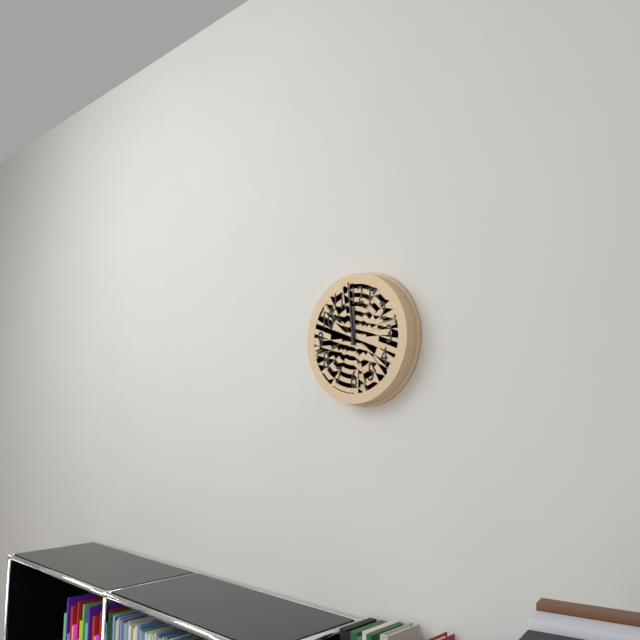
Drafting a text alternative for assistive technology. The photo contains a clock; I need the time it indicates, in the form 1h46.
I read 11h59
